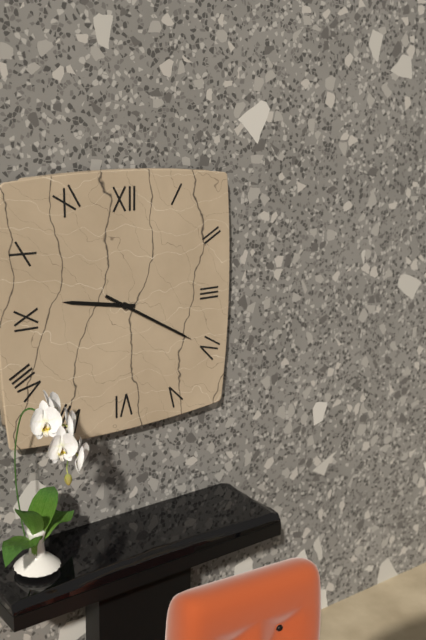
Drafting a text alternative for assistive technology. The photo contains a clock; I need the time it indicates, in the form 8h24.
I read 9h20
